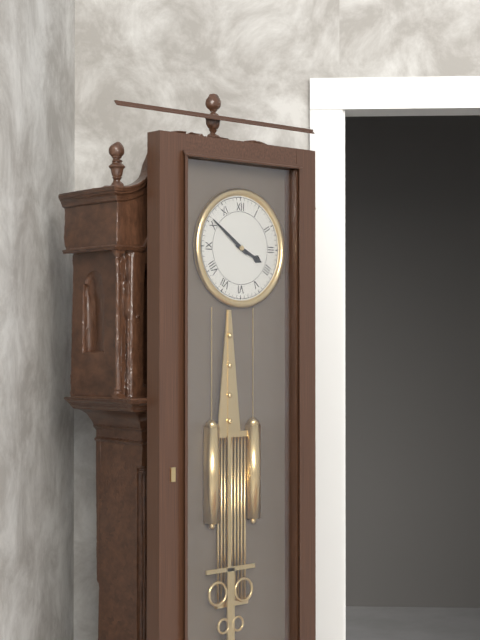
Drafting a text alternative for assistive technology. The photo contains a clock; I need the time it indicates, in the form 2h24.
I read 3h51
